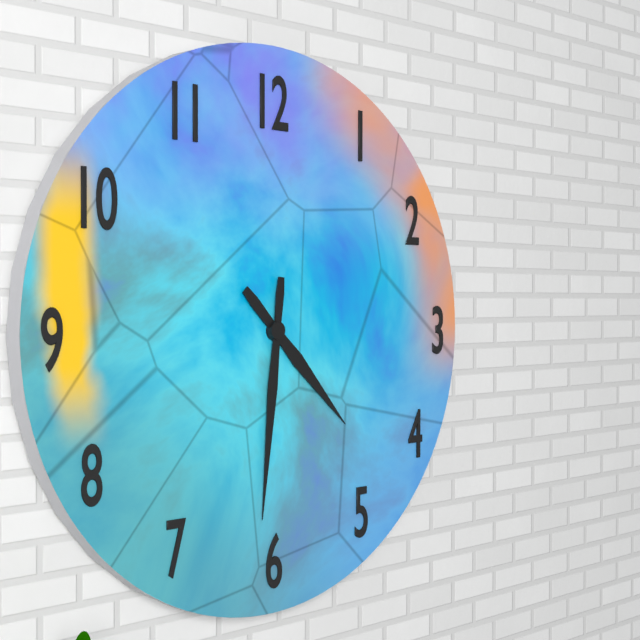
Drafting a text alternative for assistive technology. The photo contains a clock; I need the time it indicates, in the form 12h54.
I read 4h31
